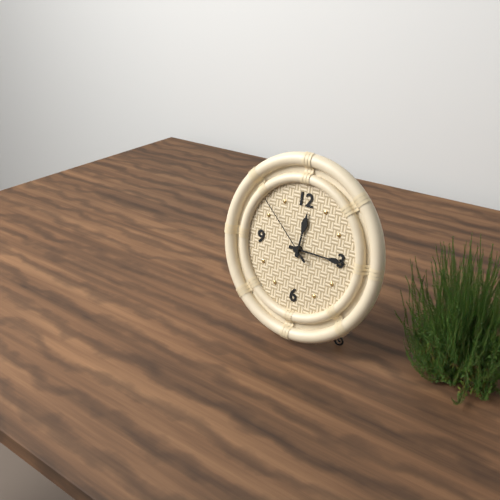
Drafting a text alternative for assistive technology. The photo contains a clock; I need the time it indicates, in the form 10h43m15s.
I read 12h15m52s
